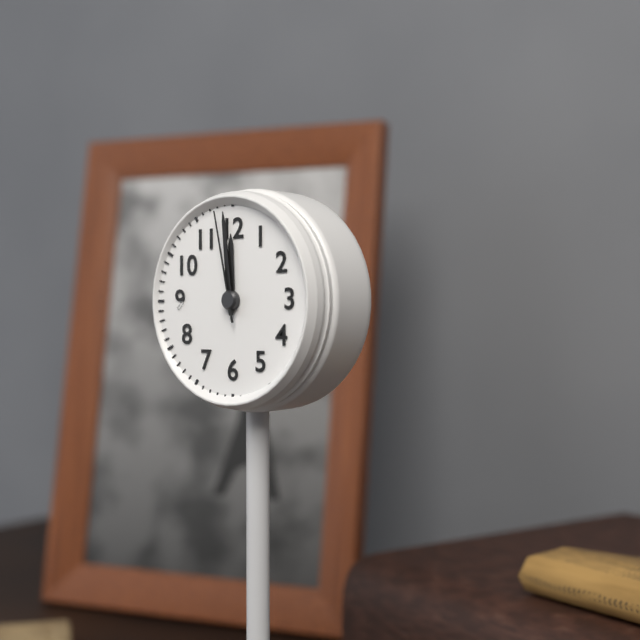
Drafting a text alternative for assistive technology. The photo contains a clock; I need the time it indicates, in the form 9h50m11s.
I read 11h59m58s
